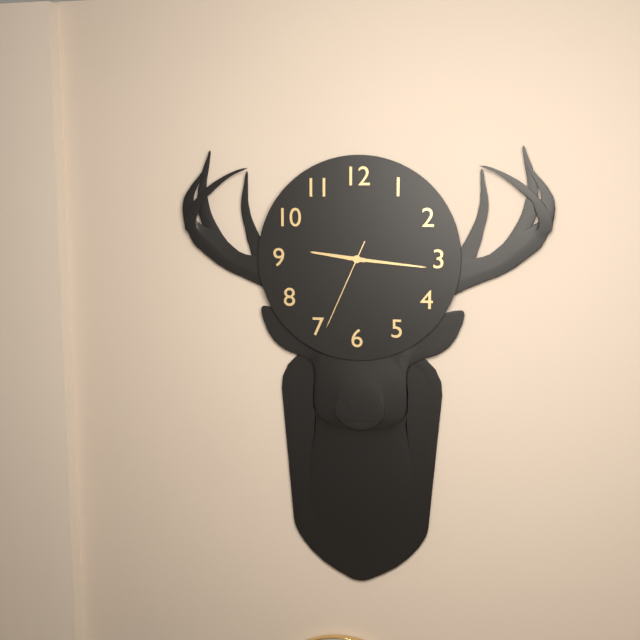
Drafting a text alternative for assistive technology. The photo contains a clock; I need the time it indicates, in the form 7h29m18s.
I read 9h16m34s
